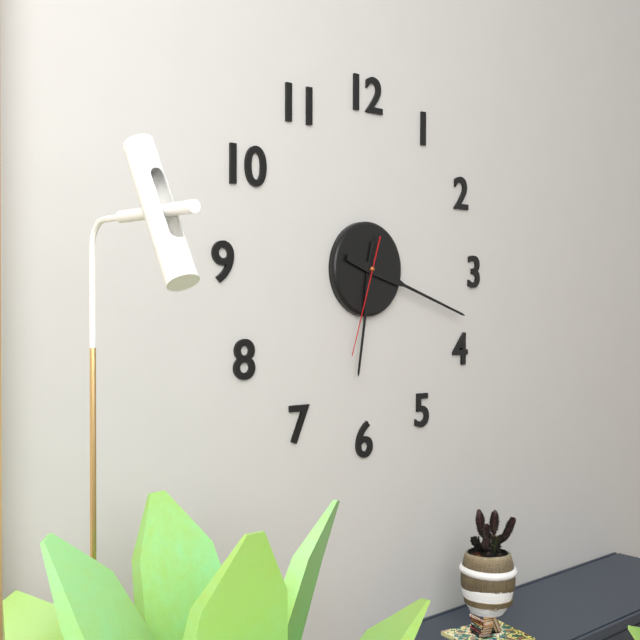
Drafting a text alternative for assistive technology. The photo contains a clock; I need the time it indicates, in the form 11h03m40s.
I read 6h18m33s
